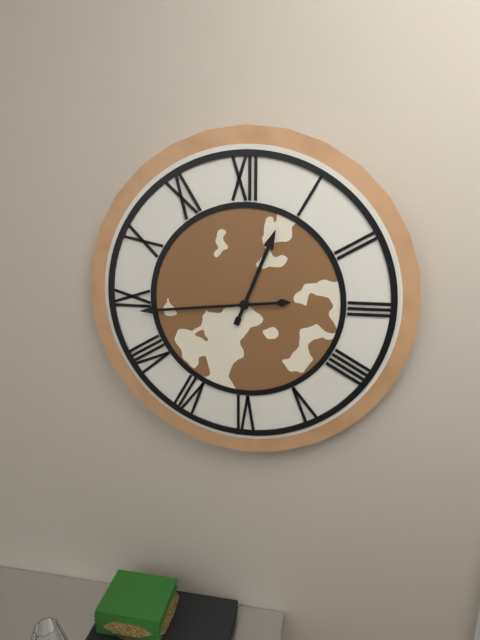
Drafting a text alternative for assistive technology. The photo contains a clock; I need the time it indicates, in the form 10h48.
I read 12h44
